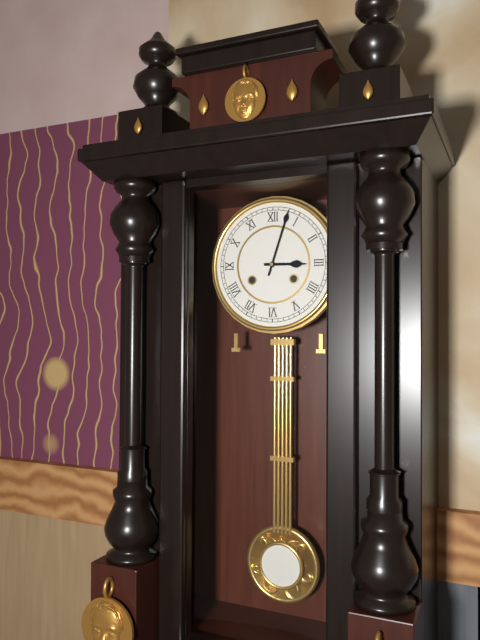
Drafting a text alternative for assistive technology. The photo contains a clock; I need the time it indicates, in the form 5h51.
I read 3h03
